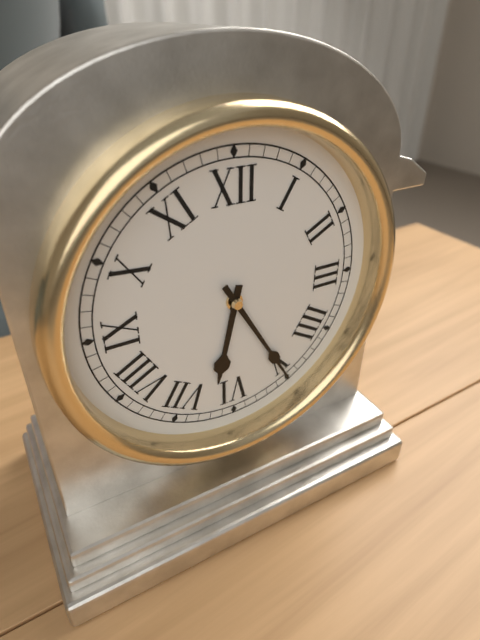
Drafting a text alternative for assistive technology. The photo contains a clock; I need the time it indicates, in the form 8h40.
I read 6h25
